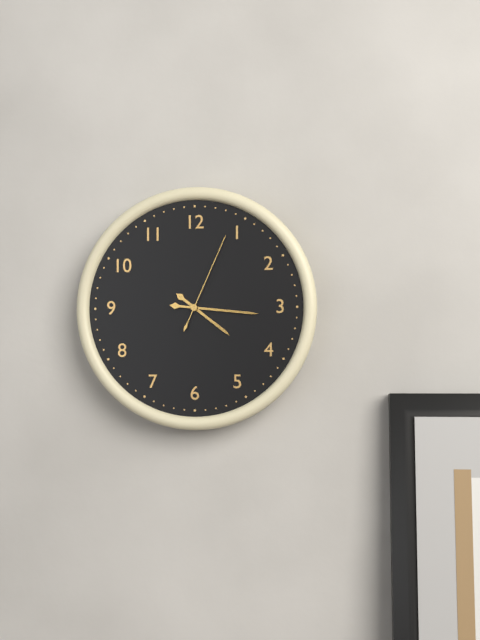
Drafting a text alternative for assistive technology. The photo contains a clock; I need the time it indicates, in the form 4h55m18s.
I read 4h16m04s
